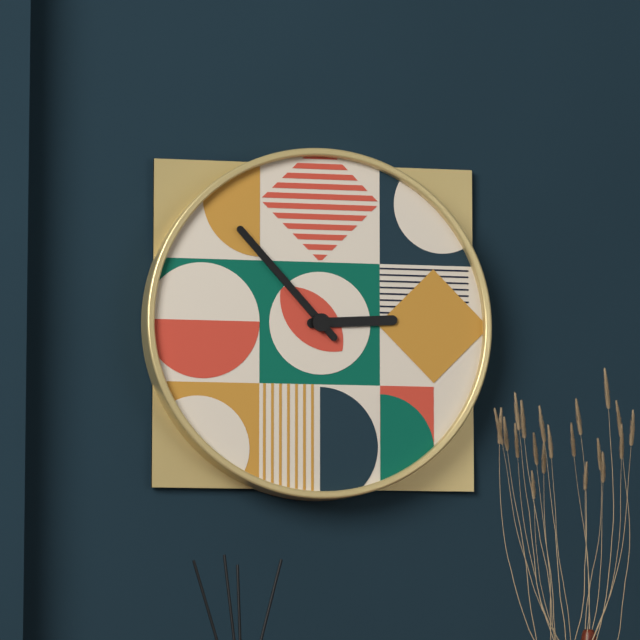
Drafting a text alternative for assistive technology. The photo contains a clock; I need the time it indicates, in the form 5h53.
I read 2h53
